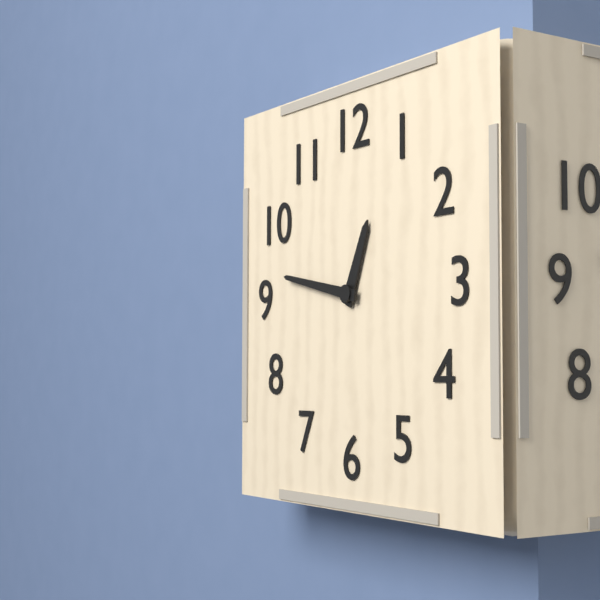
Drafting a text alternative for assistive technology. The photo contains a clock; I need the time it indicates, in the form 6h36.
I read 12h47
